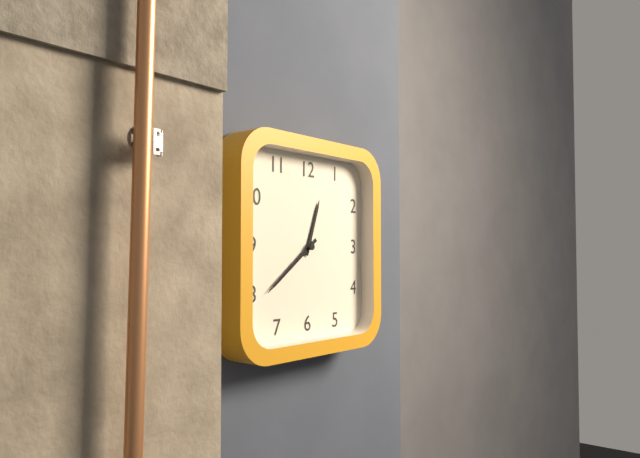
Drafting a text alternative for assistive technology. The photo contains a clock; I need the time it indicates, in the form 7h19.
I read 12h39
